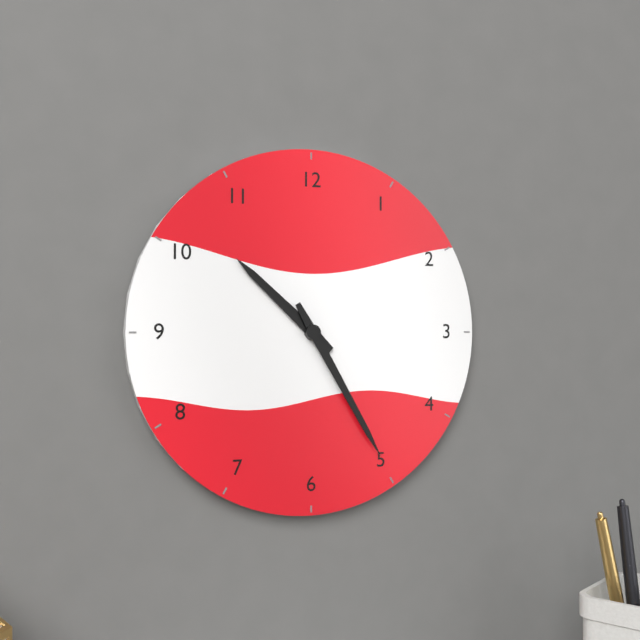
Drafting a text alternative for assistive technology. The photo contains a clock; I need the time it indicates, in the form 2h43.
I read 10h25
